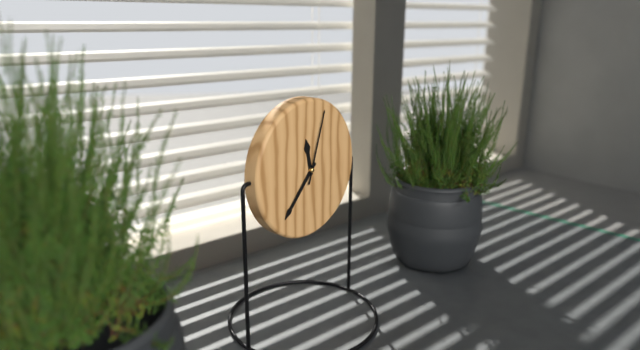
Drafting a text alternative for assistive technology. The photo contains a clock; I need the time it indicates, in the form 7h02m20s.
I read 11h37m03s
